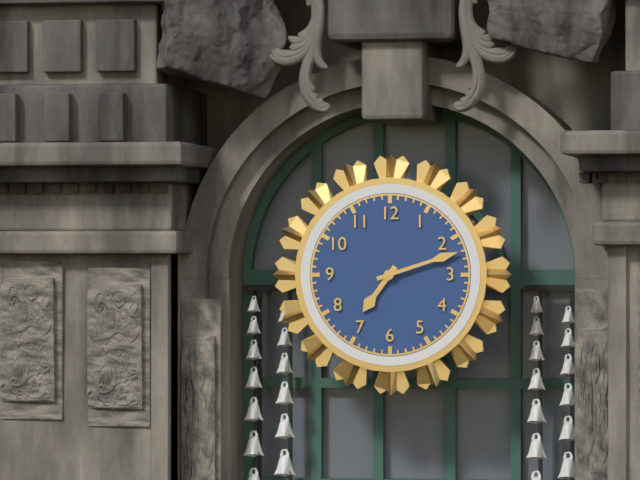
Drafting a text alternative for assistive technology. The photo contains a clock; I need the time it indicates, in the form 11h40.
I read 7h12
